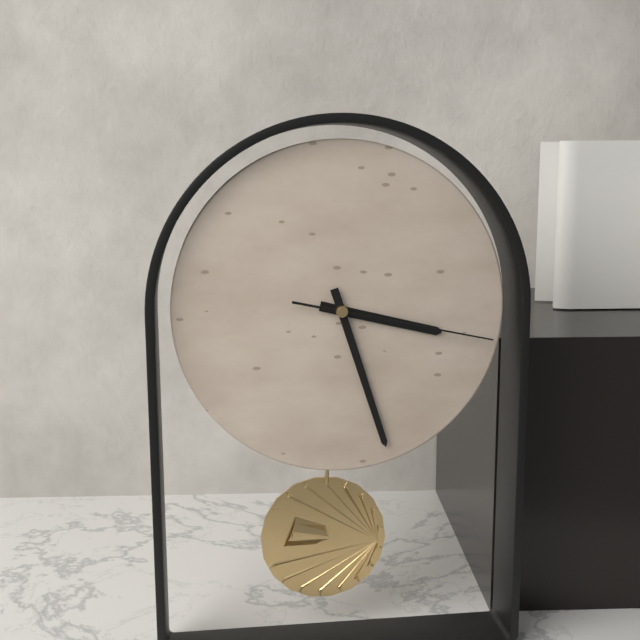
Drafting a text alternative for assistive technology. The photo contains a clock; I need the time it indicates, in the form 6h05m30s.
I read 3h27m17s
